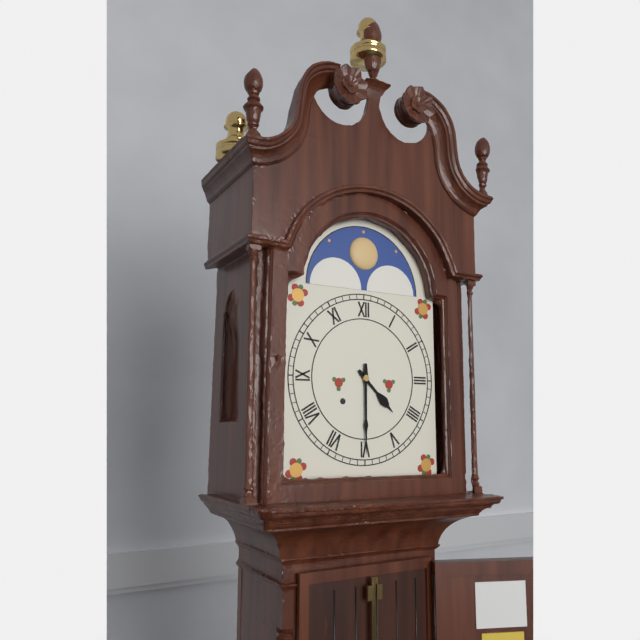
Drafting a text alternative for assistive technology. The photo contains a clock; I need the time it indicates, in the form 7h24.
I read 4h30
